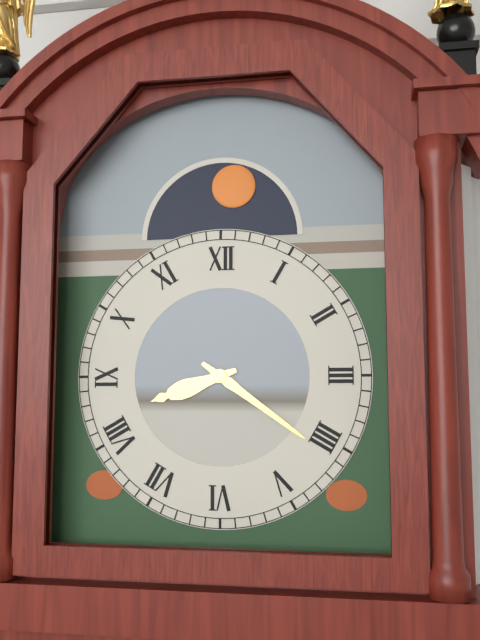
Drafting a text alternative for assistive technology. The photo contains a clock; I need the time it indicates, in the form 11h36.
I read 8h21
